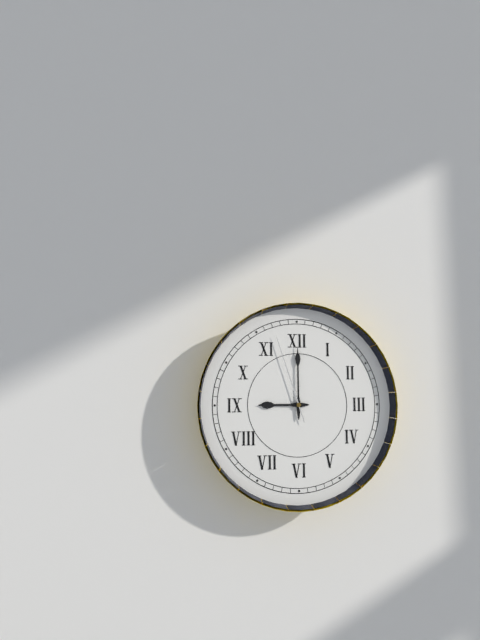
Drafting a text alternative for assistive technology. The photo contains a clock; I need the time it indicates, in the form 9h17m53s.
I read 9h00m57s
